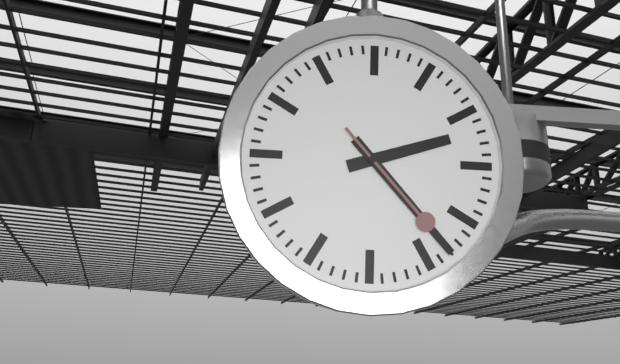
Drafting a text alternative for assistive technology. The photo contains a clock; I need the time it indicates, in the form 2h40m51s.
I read 2h23m23s
